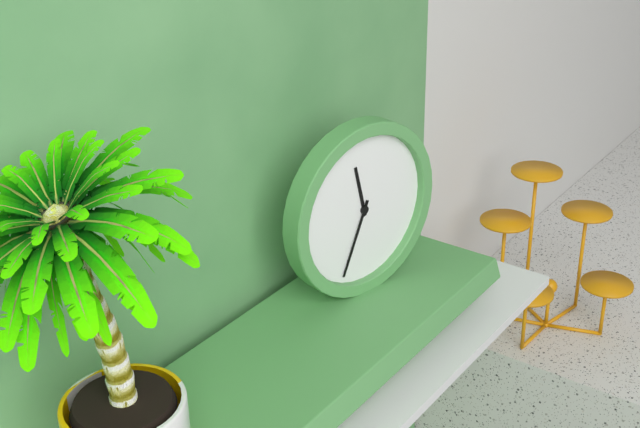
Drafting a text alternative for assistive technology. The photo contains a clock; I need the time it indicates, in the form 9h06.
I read 11h34
